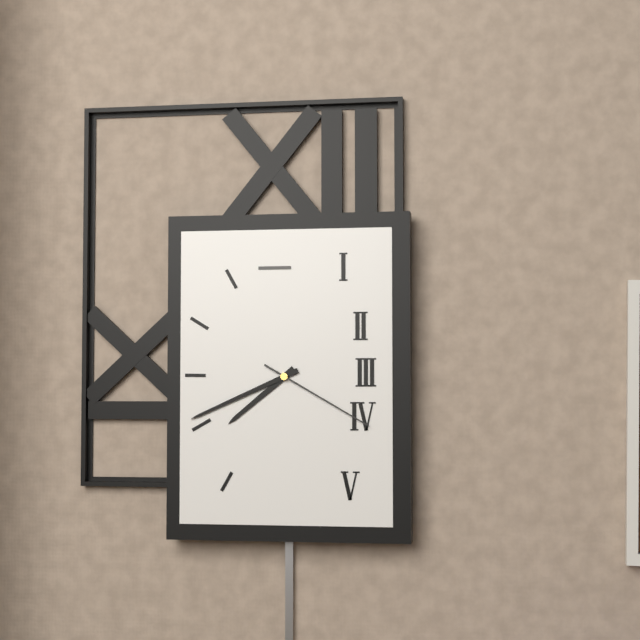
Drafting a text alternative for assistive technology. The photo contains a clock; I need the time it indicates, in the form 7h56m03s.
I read 7h41m20s
